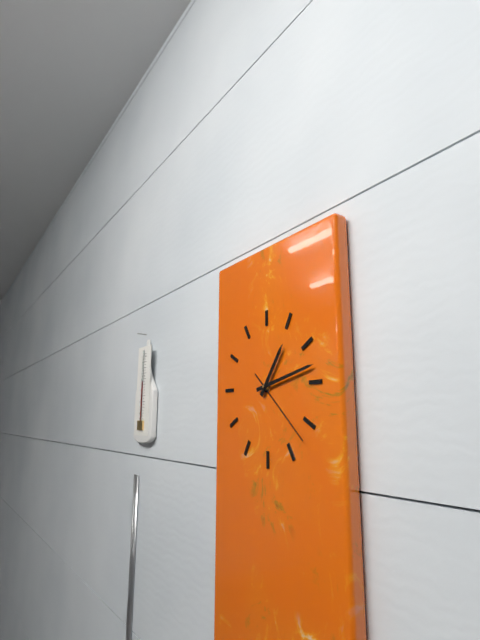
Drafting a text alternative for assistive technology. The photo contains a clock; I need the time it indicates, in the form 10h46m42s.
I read 1h13m22s
